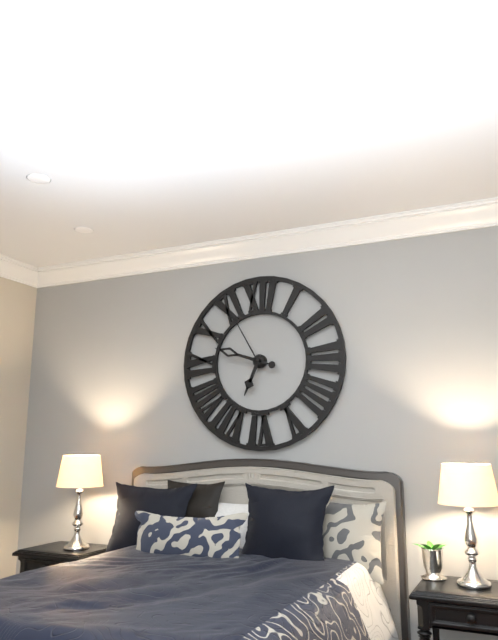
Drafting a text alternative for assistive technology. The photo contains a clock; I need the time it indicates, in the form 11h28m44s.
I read 6h48m55s
